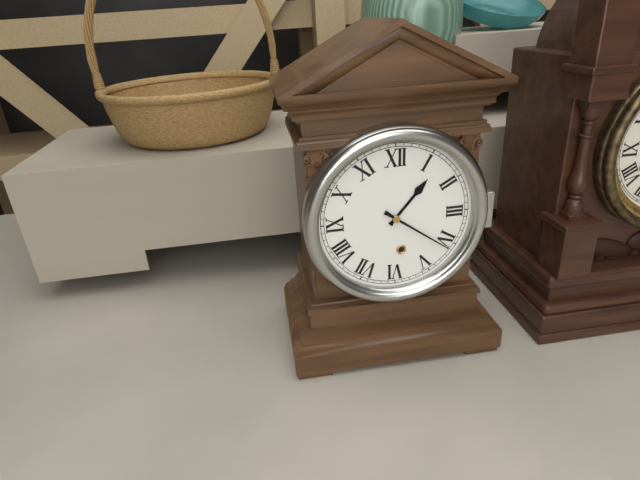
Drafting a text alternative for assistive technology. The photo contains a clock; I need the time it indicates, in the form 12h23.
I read 1h21
